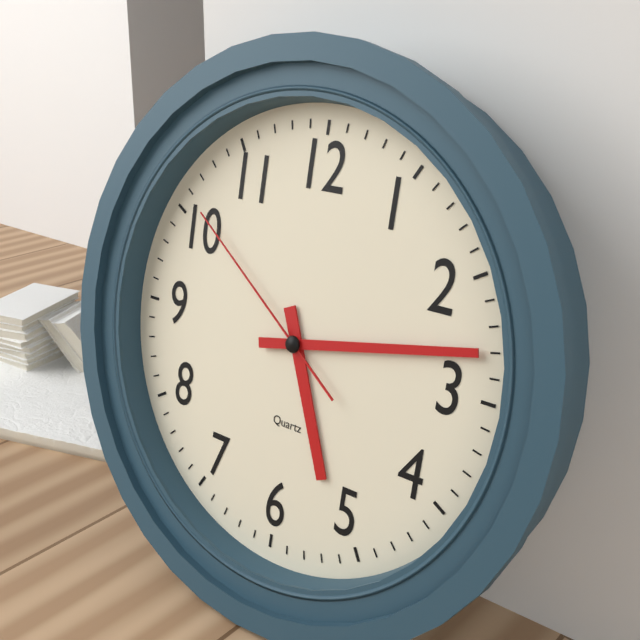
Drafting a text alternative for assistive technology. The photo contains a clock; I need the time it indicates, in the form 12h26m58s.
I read 5h13m51s
